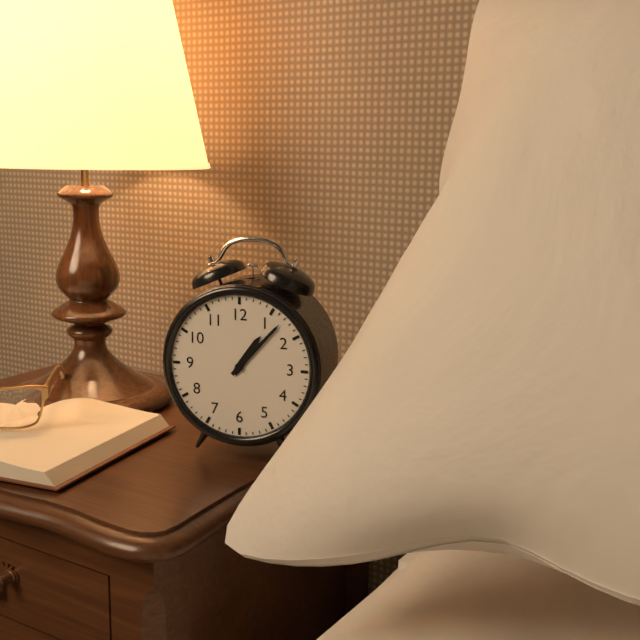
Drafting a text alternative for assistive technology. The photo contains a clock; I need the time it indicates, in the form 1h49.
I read 1h07
